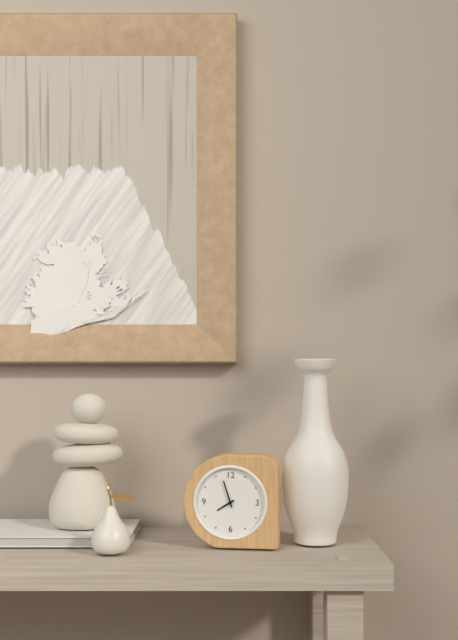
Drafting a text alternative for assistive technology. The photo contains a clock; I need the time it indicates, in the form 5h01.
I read 7h57
